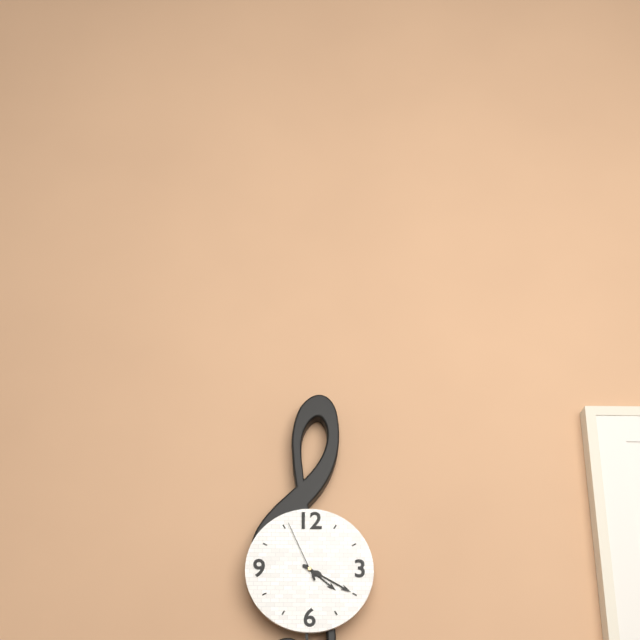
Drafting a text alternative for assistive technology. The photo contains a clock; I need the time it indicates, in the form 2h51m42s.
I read 4h20m56s
